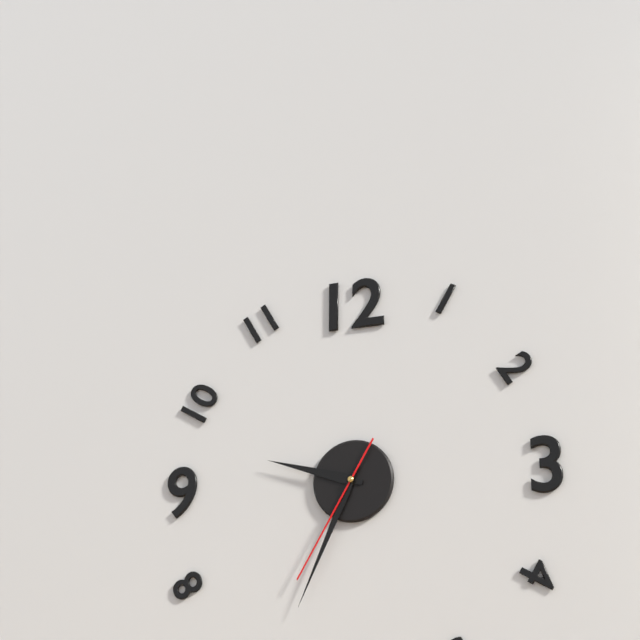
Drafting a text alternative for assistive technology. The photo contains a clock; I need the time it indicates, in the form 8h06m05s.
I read 9h34m35s
